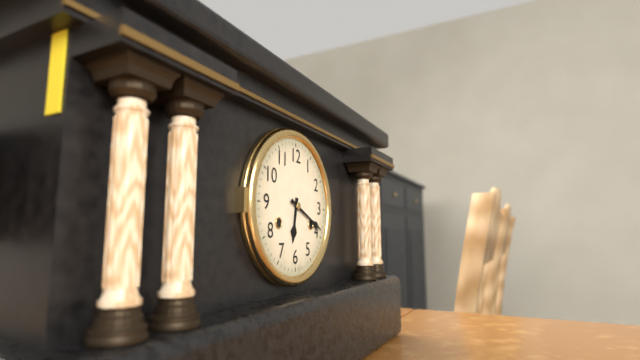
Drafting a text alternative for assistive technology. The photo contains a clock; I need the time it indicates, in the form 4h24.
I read 6h19
